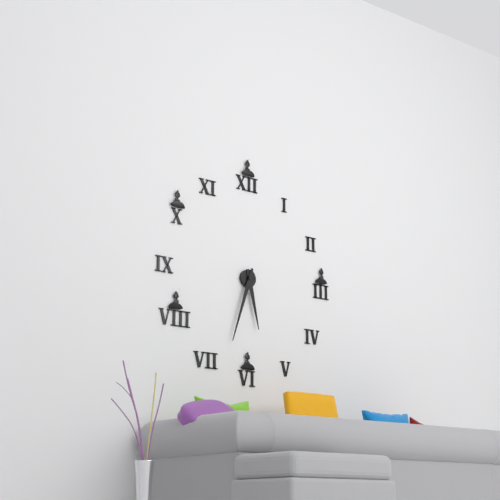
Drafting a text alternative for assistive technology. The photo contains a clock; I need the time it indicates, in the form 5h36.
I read 5h33
